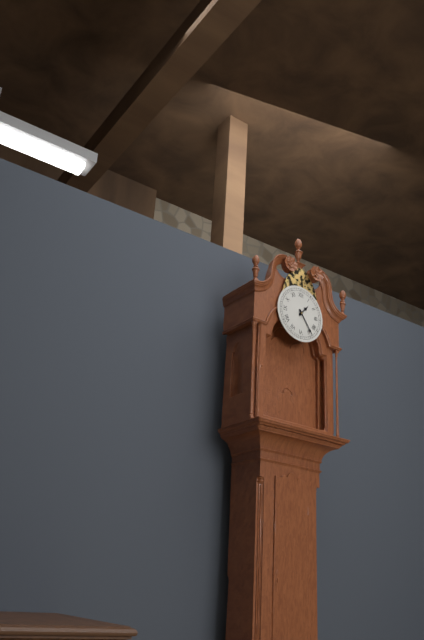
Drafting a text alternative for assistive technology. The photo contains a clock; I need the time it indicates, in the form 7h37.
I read 1h24
